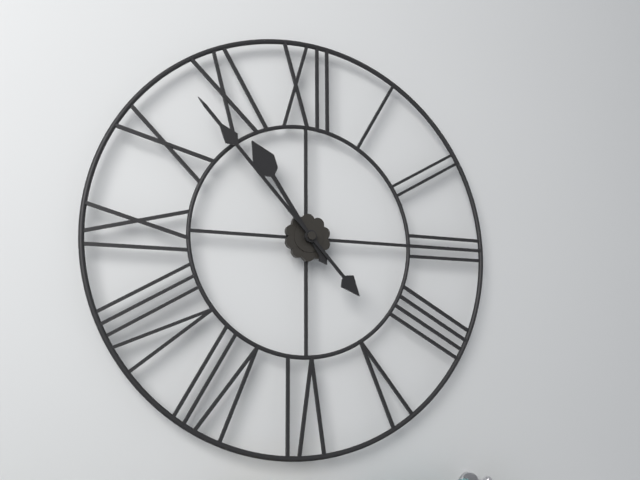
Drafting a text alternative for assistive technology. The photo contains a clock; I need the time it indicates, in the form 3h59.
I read 10h53
